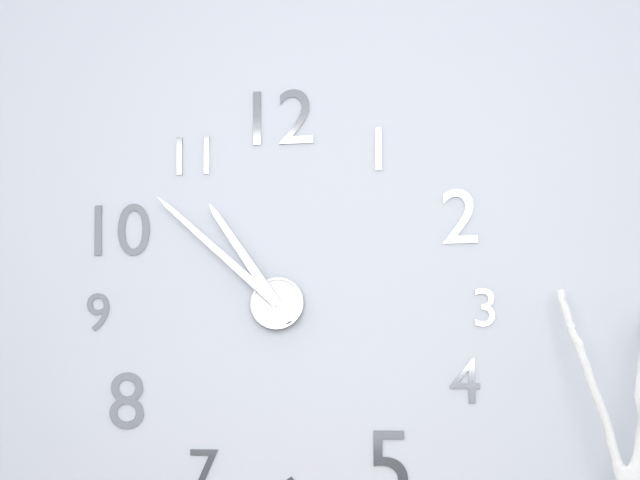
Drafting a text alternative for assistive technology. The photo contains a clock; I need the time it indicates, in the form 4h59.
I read 10h52
